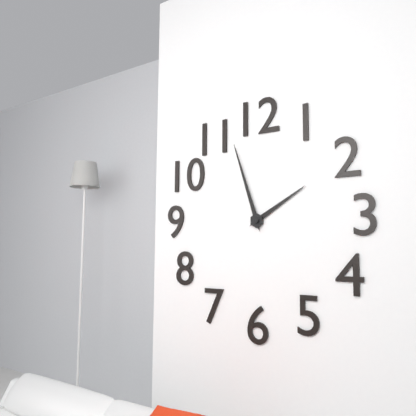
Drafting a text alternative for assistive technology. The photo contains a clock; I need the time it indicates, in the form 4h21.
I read 1h57
